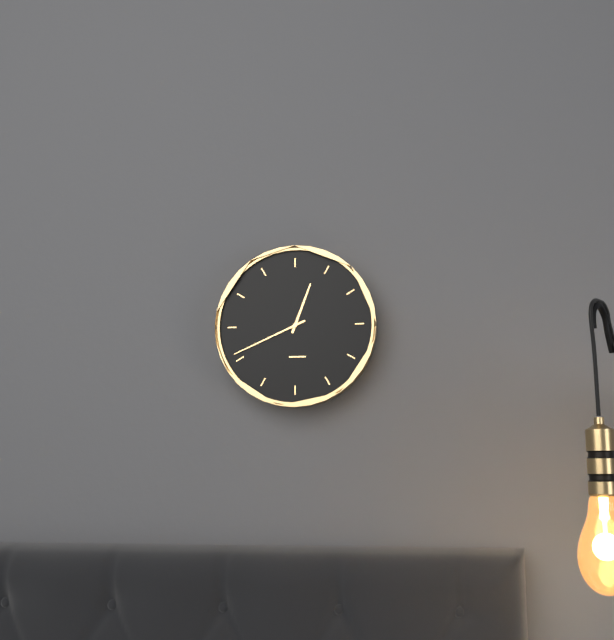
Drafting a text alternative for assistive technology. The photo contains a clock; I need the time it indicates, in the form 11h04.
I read 12h41
